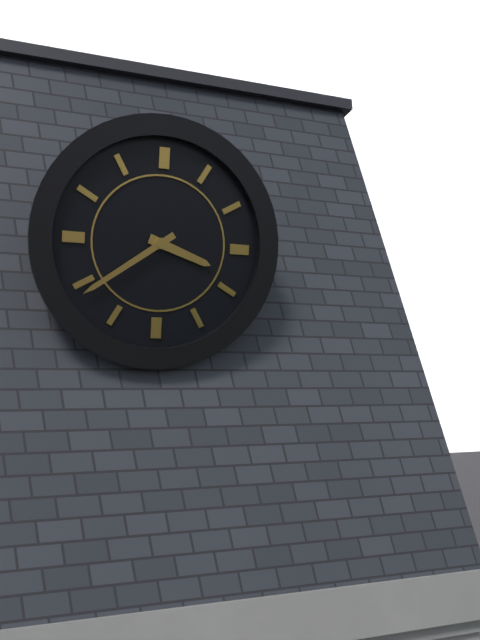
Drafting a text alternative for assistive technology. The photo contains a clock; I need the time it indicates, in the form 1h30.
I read 3h39
